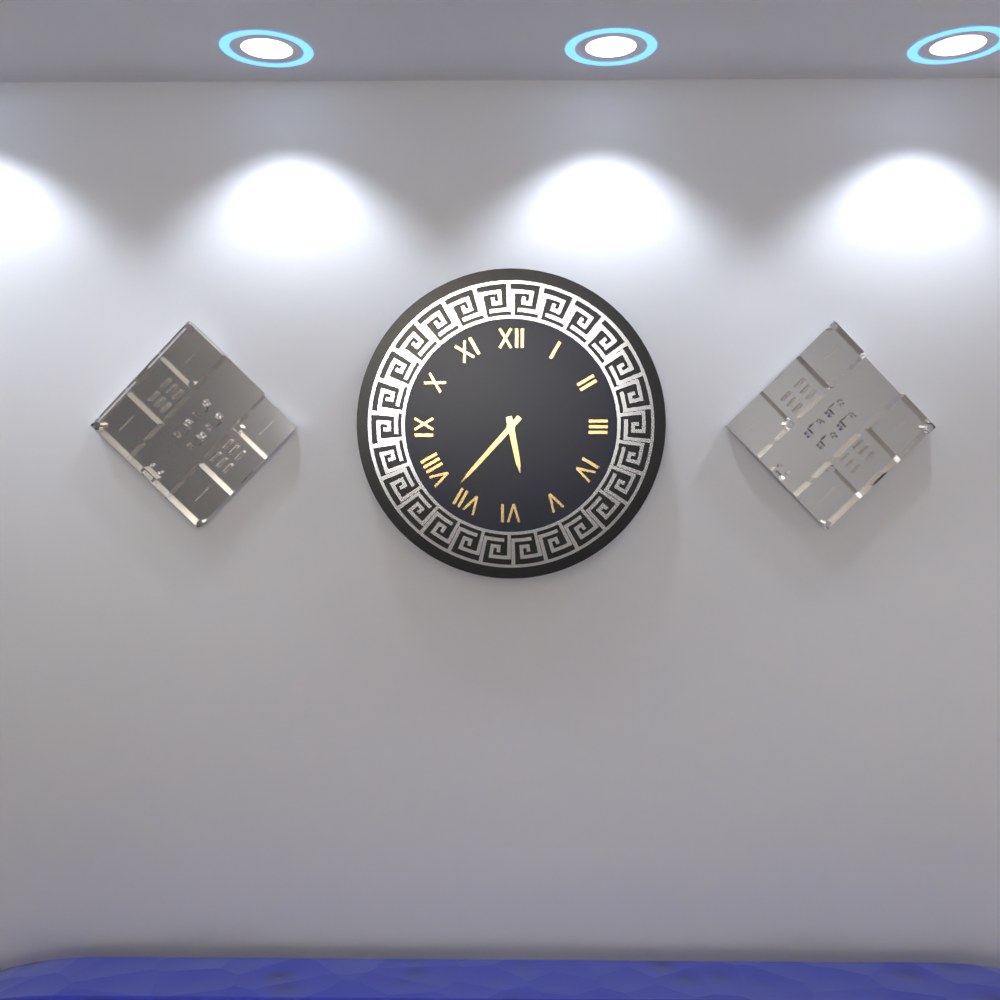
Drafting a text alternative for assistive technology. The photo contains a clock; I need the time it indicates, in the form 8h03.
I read 5h37
